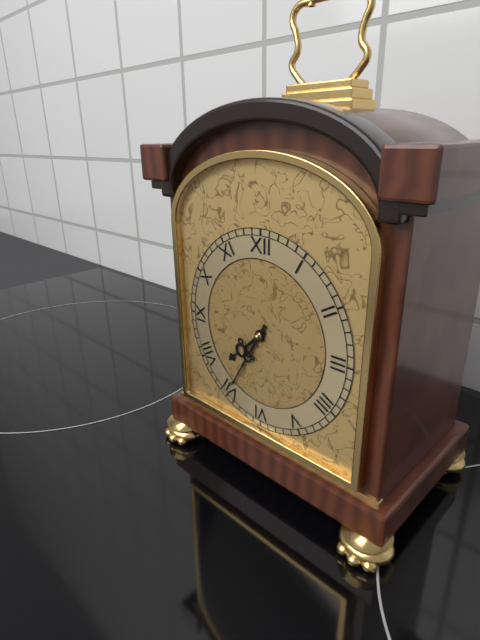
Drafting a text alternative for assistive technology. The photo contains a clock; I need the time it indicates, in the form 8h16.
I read 7h35
